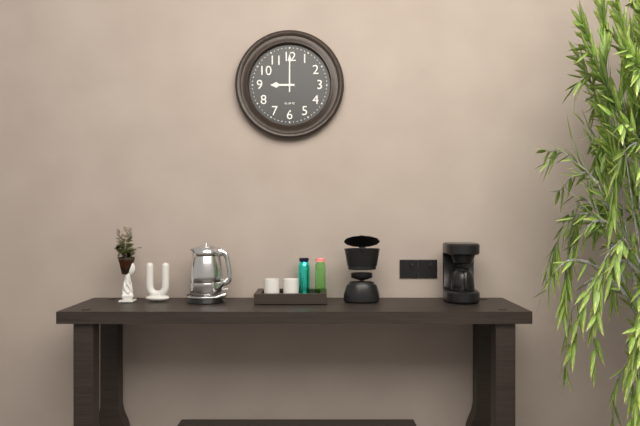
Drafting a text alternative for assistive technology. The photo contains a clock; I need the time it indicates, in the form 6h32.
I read 9h00
